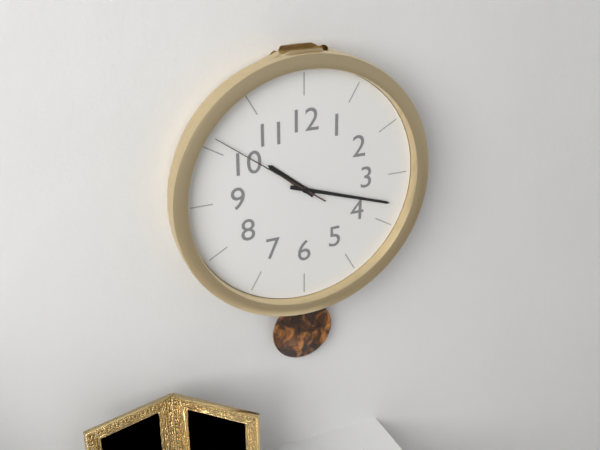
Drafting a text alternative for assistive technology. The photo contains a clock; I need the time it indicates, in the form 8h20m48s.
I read 10h18m51s
